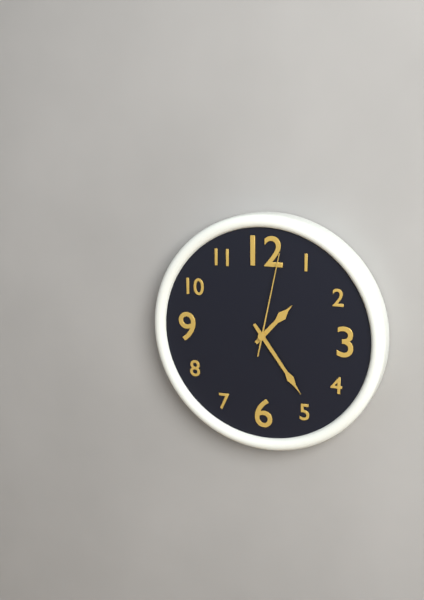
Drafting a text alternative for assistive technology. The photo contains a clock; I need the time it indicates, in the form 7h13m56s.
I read 1h24m02s
